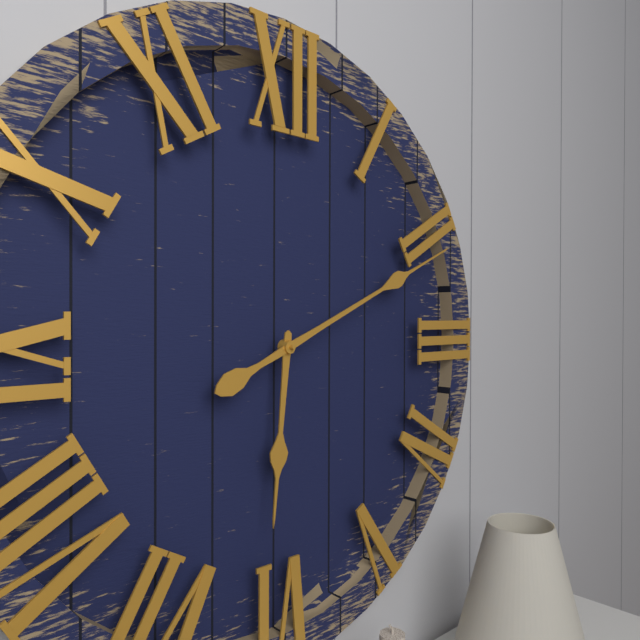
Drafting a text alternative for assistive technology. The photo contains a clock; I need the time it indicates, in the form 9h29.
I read 6h11
